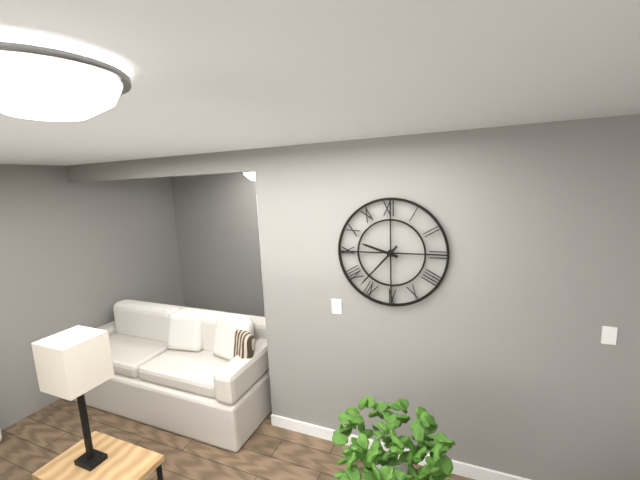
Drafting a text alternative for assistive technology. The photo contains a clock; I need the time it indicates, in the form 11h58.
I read 9h37
